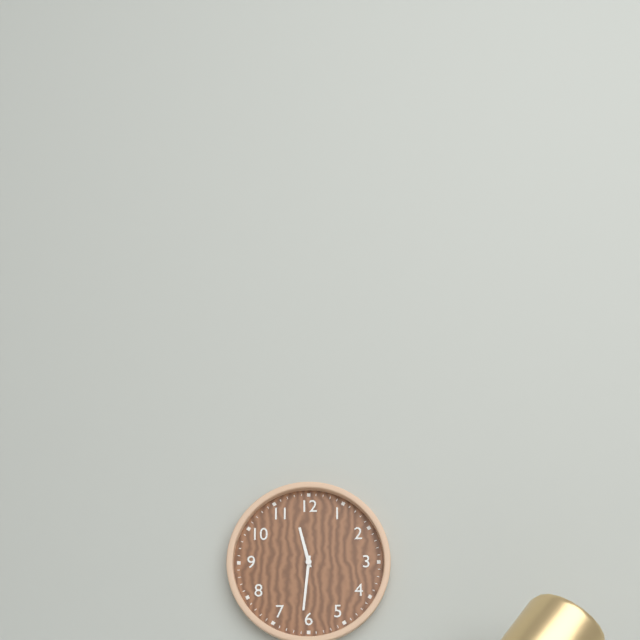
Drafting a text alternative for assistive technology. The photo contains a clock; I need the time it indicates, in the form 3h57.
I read 11h31
